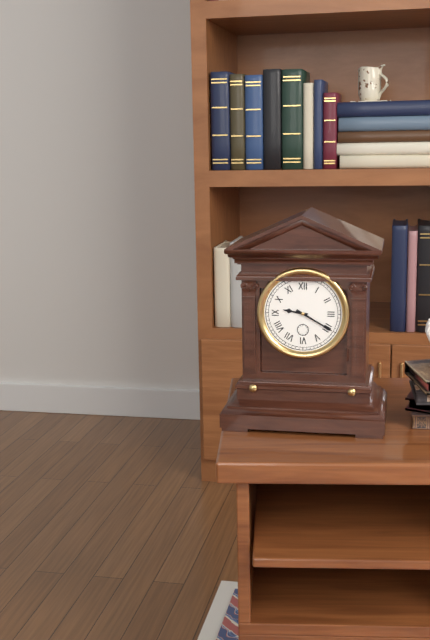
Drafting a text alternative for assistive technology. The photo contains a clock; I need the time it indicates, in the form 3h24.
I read 9h20
